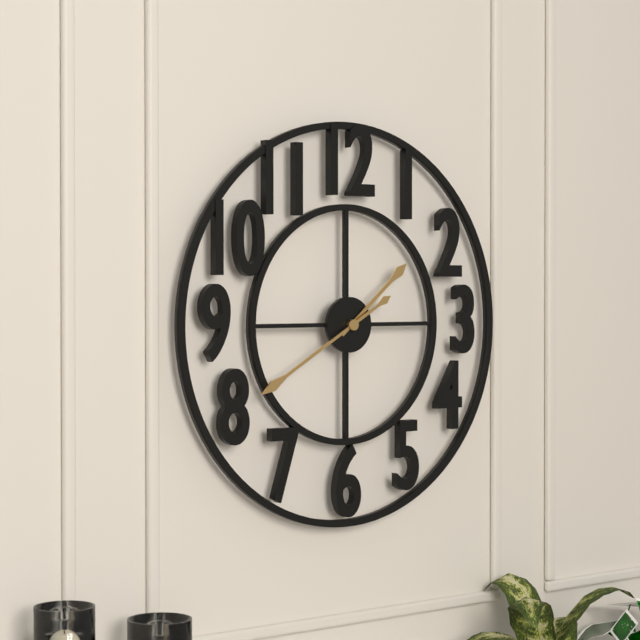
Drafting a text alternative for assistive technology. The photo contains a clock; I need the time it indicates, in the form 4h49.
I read 1h40
